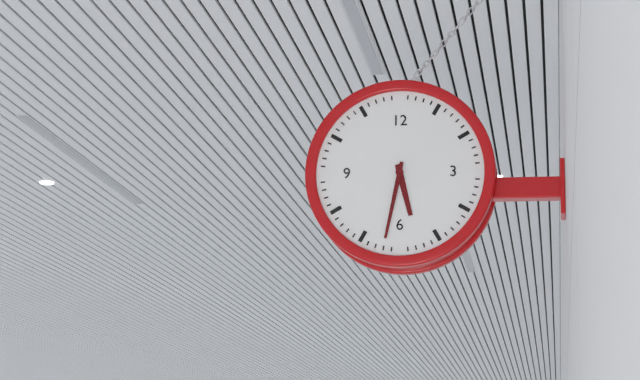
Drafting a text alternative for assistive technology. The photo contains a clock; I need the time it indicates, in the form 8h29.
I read 5h32
